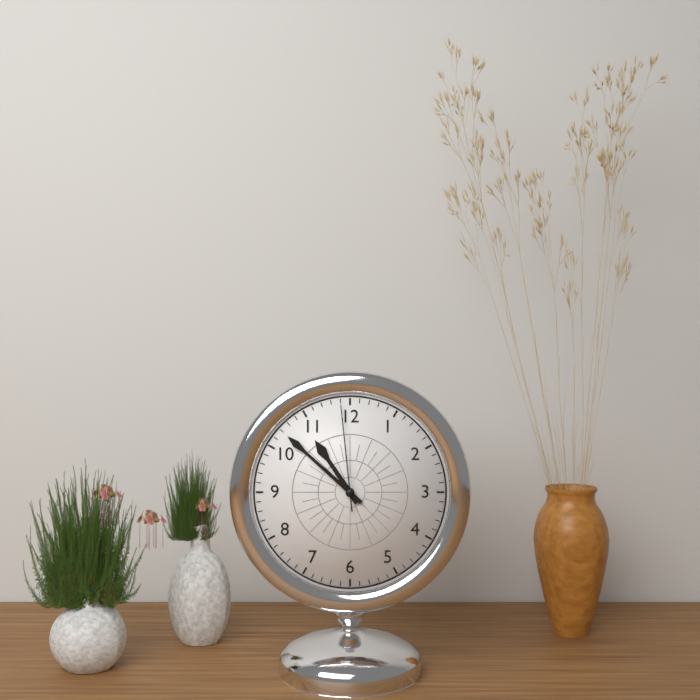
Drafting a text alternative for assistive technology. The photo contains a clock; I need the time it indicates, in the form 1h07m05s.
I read 10h52m59s
